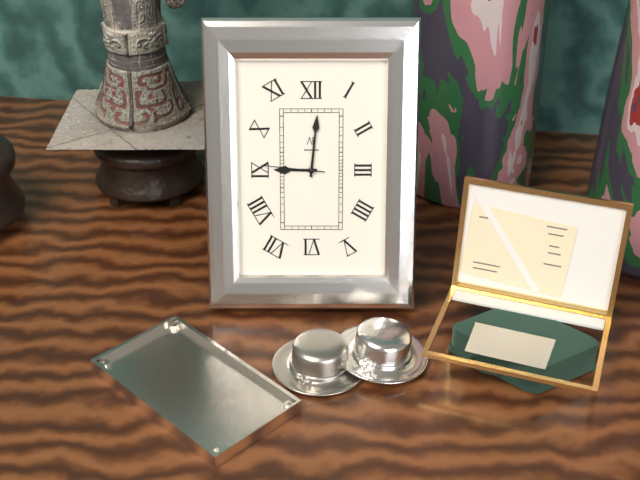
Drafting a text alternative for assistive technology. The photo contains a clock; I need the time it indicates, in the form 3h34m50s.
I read 9h01m46s
